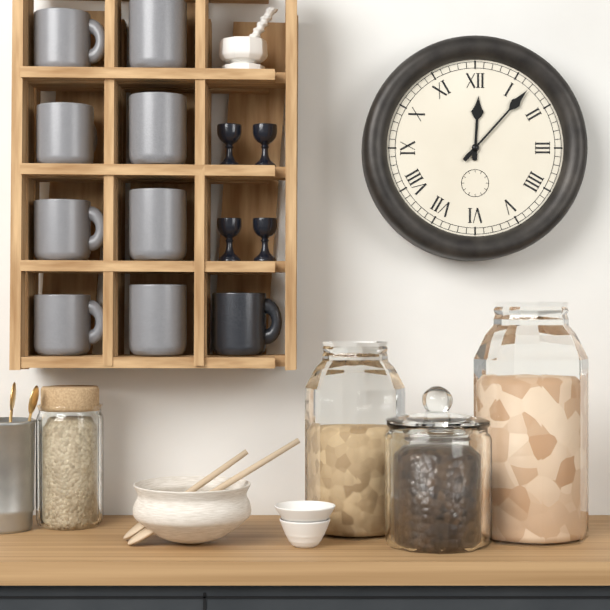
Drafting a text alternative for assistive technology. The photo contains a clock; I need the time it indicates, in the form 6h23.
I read 12h07
